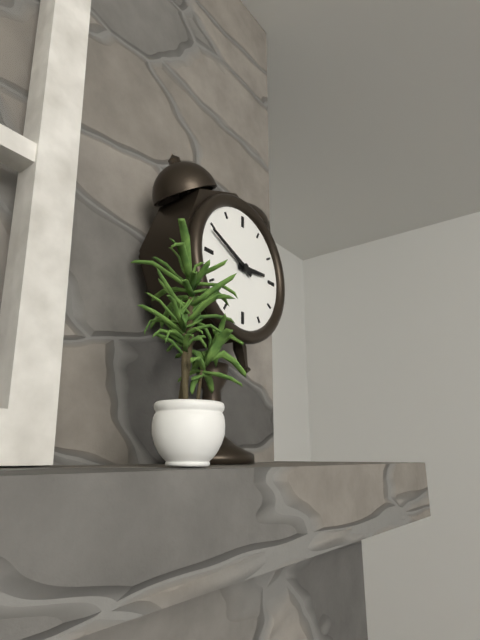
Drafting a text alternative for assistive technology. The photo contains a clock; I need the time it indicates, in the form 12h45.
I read 2h49
